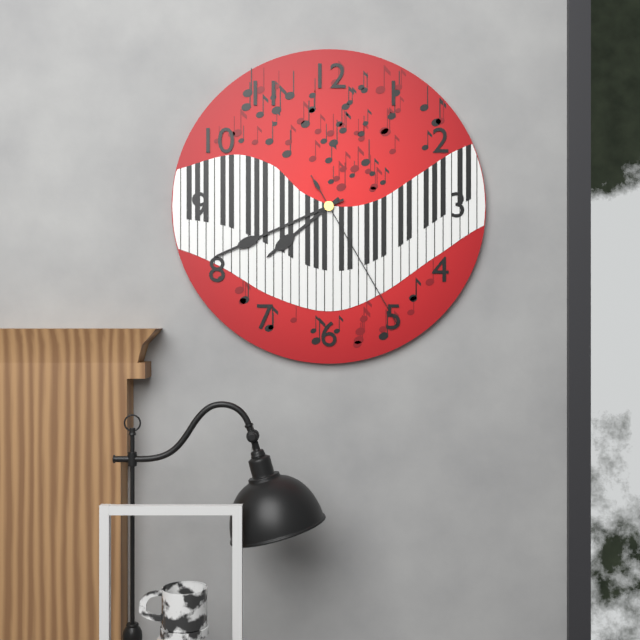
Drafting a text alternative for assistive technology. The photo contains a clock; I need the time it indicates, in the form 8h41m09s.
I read 7h41m25s
